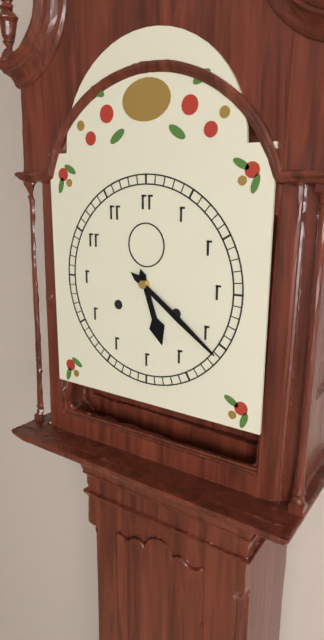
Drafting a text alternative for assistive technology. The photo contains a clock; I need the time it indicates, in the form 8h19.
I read 5h21
